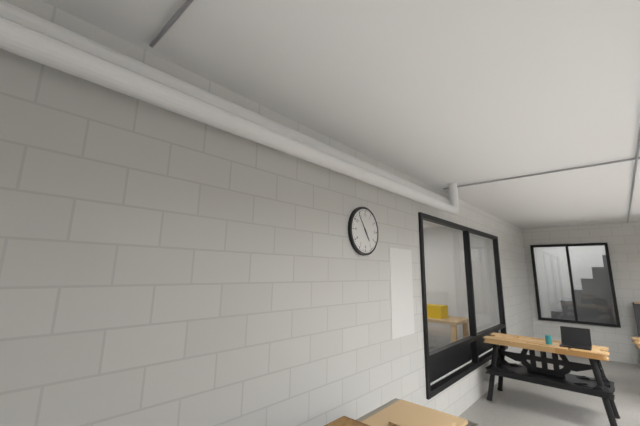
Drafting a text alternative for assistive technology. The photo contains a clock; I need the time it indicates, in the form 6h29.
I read 4h54
